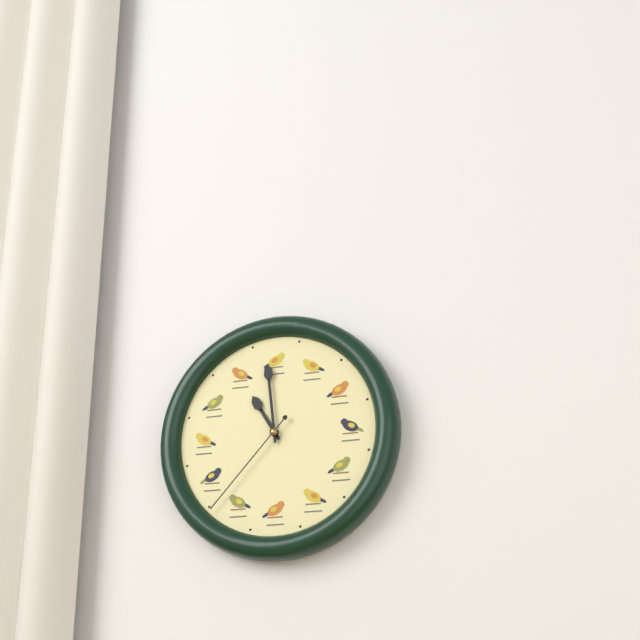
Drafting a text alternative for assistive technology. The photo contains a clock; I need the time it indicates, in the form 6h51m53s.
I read 10h59m37s
